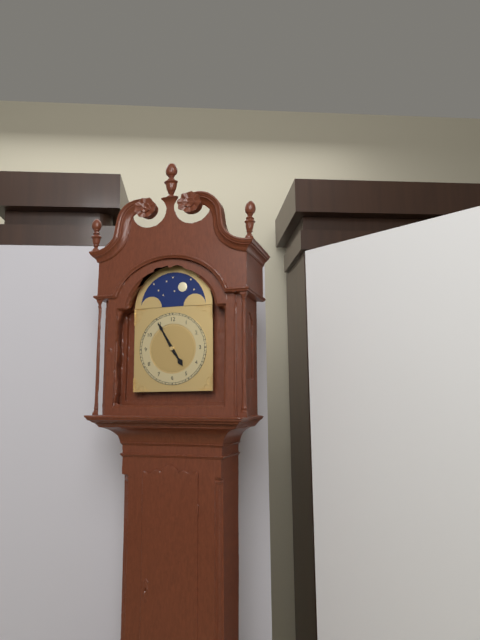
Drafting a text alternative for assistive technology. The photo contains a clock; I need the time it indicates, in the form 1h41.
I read 4h55
